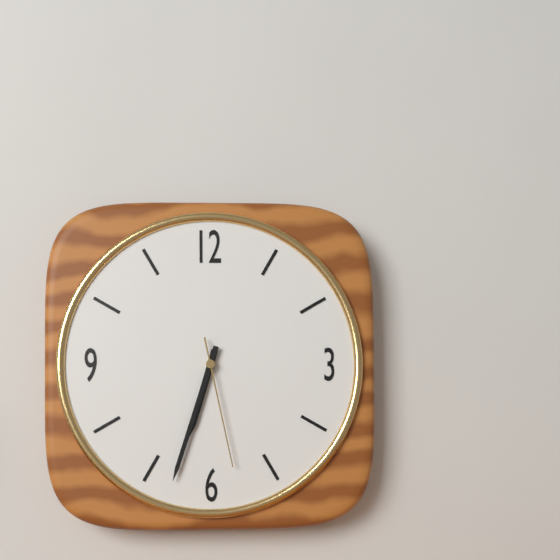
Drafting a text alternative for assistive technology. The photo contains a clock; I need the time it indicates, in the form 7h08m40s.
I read 6h33m28s
